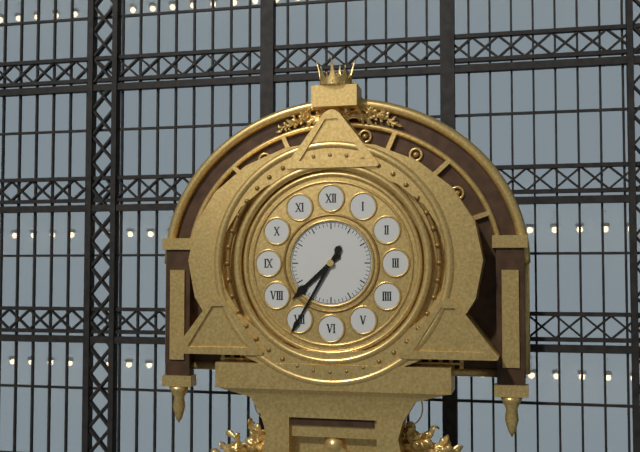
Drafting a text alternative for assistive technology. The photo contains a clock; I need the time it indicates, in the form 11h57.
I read 7h35
